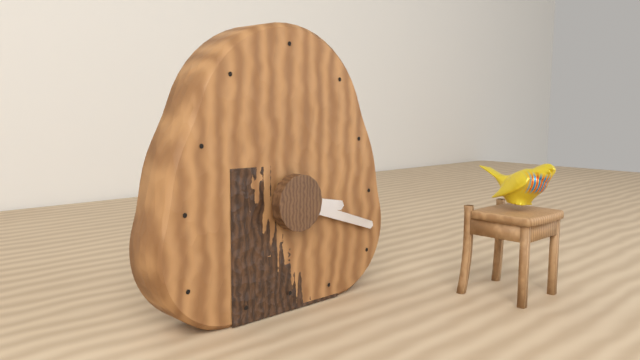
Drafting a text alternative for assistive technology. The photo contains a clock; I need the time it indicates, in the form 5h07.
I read 3h18
